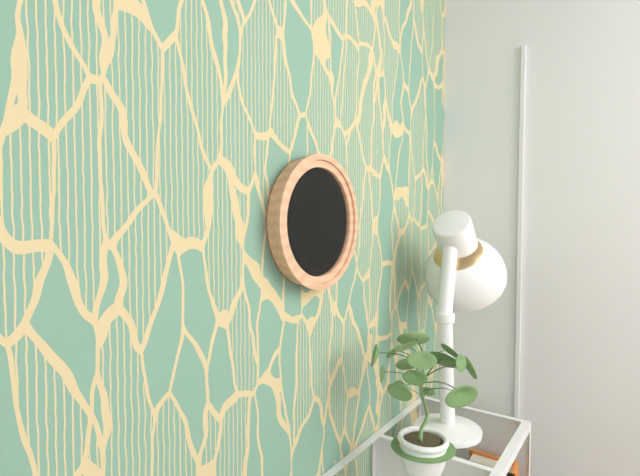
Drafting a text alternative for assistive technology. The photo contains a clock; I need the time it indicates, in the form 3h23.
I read 1h10
